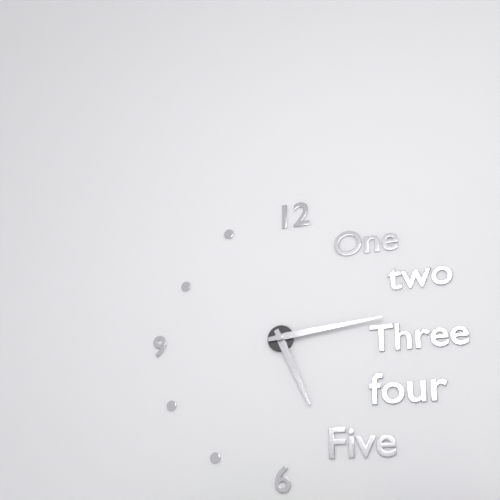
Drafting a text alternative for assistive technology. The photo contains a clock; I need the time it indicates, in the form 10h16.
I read 5h14
